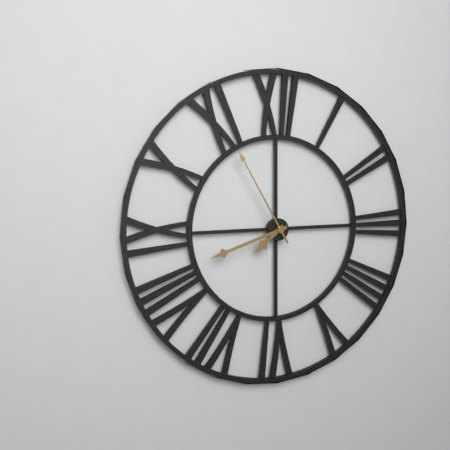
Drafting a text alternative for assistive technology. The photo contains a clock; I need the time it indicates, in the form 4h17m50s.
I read 7h42m55s
